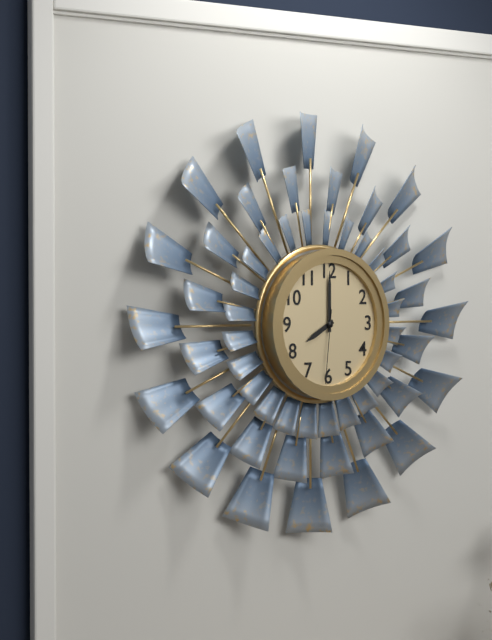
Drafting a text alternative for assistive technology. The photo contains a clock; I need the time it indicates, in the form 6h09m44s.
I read 8h00m31s
